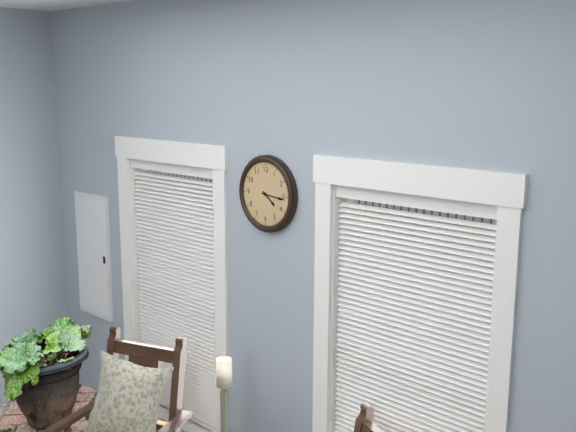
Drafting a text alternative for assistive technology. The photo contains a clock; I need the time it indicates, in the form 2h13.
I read 4h16
